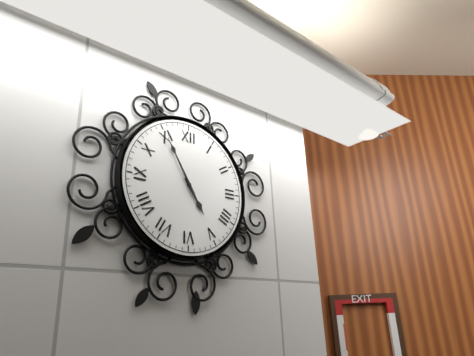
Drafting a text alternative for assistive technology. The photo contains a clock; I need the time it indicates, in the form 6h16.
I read 4h55
